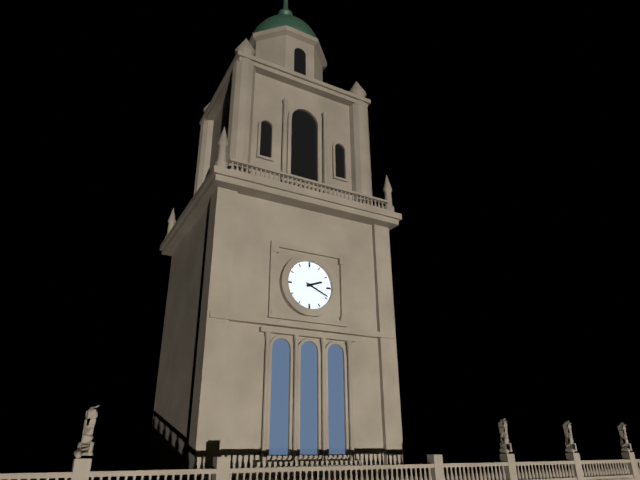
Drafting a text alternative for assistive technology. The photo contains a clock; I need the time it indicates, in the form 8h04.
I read 2h19
